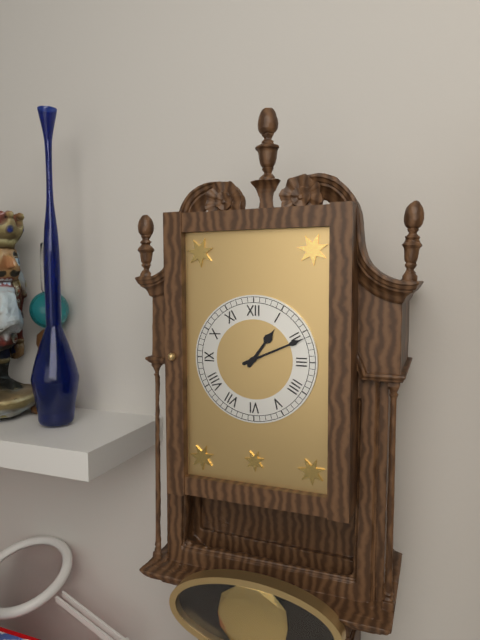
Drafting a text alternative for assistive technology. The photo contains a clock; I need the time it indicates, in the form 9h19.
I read 1h11
